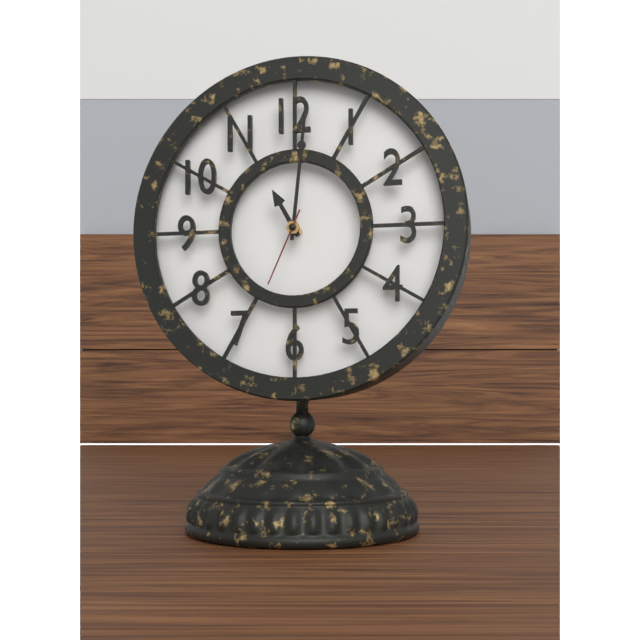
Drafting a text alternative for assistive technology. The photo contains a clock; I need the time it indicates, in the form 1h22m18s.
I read 11h01m34s
